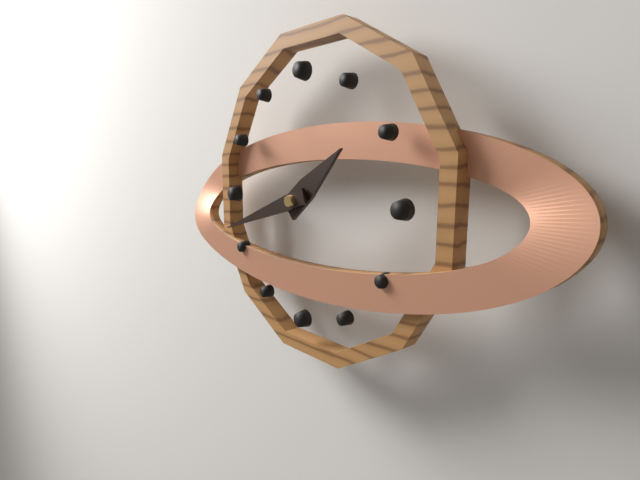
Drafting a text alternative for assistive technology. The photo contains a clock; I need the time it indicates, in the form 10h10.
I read 1h42
